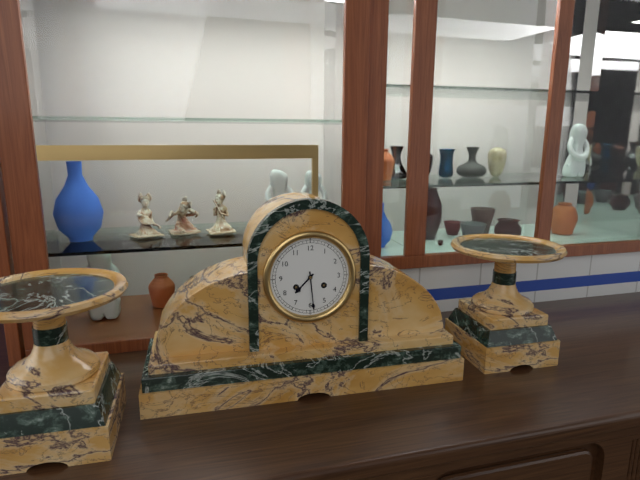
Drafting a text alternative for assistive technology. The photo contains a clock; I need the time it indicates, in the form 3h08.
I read 7h29
